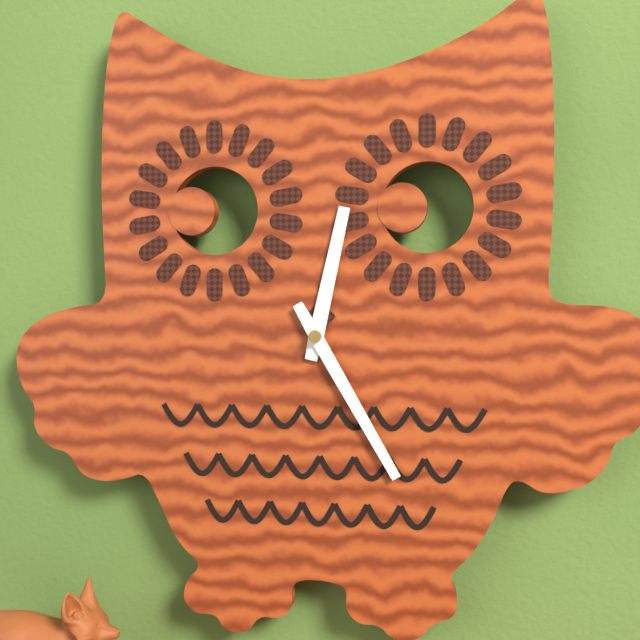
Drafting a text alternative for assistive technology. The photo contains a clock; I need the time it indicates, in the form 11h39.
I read 12h25
